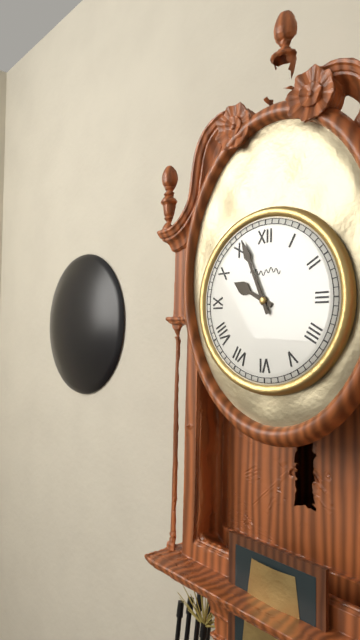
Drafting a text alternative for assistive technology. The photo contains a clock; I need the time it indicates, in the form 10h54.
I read 9h56
